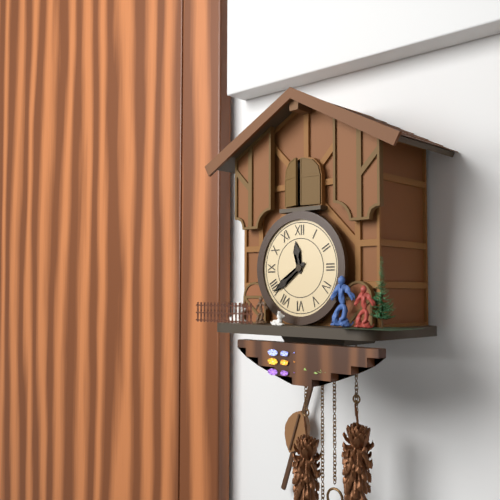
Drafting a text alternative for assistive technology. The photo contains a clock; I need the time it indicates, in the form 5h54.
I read 11h39
